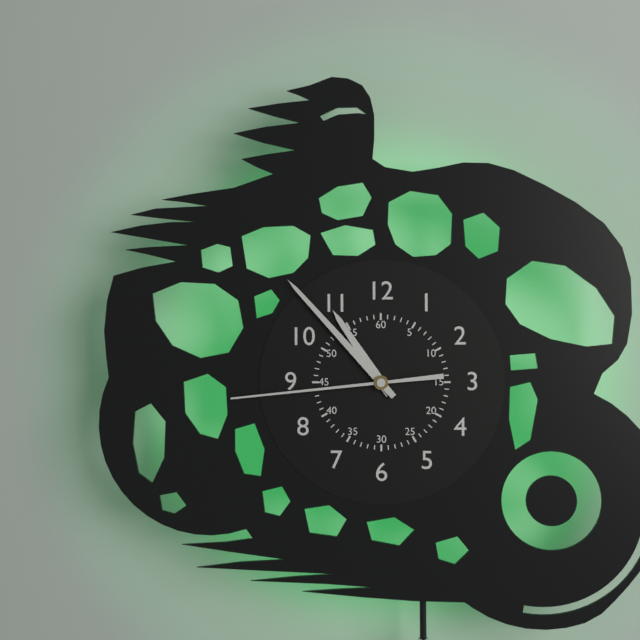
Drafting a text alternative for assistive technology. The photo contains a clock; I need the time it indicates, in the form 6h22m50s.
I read 10h53m44s
